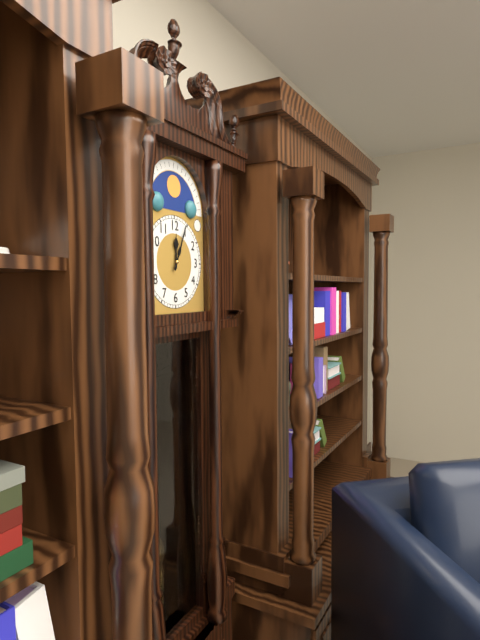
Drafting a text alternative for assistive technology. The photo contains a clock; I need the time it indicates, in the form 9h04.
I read 12h04
